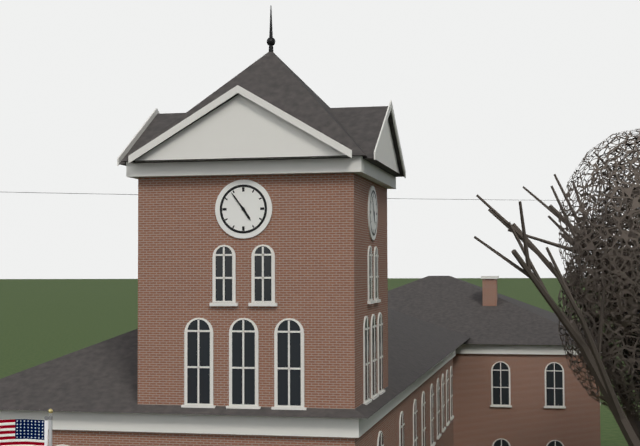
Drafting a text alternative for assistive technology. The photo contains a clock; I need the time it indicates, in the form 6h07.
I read 4h54
